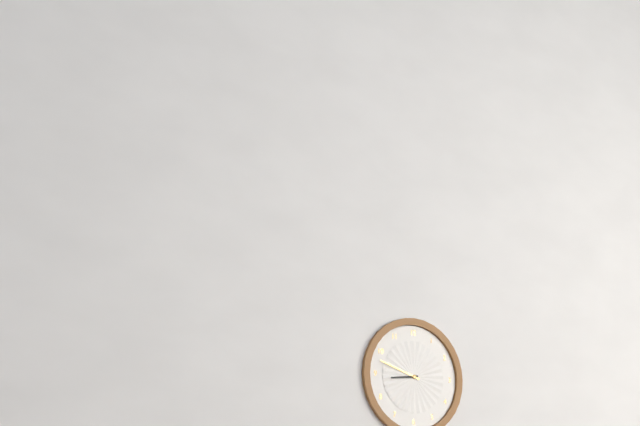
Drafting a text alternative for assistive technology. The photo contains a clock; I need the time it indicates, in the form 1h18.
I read 8h48
